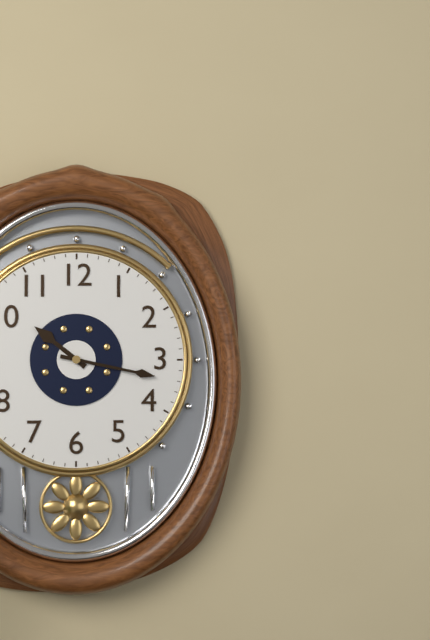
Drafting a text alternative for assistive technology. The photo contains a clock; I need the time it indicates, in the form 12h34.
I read 10h17
